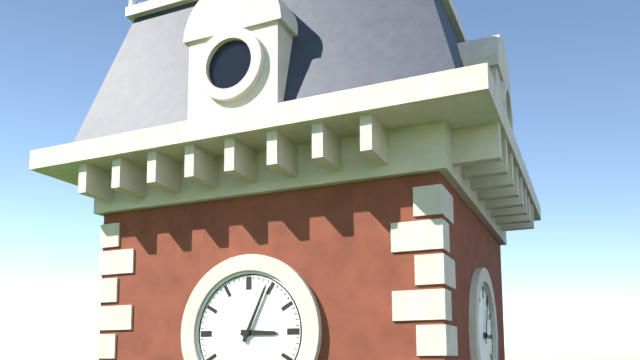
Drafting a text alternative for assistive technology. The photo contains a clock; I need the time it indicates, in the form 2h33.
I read 3h04
